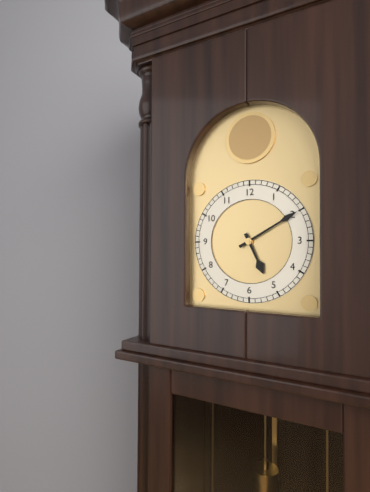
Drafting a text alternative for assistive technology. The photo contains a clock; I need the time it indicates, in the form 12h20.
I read 5h10
